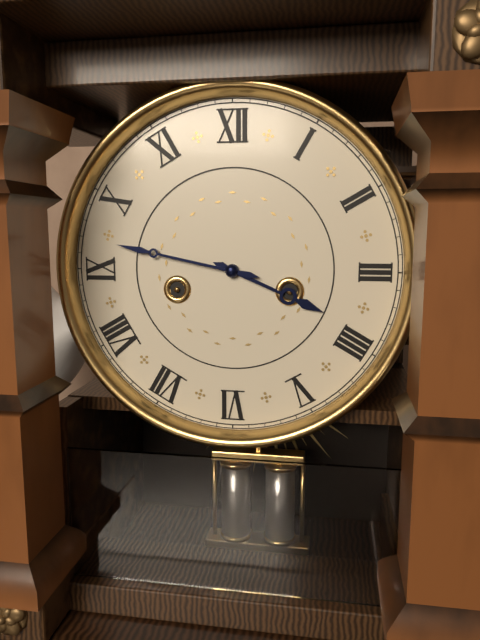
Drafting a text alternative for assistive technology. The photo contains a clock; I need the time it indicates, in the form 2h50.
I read 3h47
